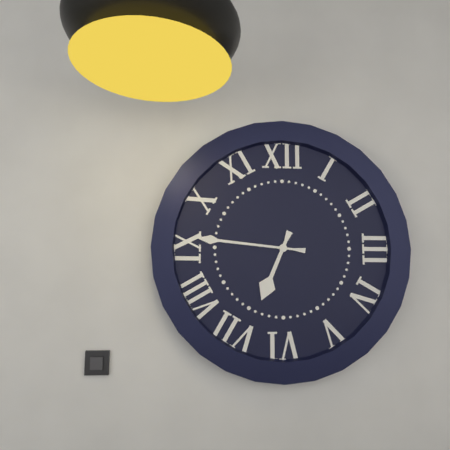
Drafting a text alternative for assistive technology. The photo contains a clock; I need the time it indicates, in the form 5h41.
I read 6h46
